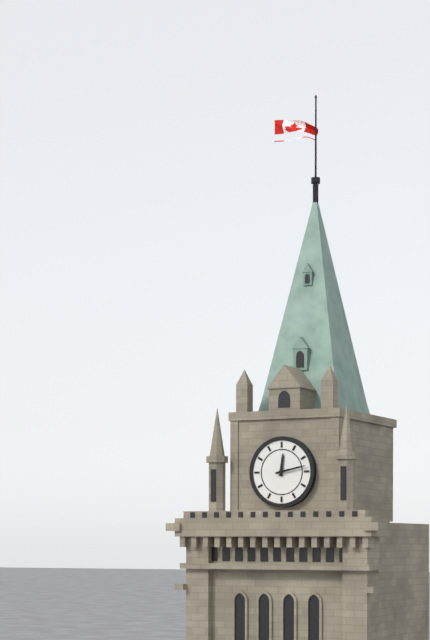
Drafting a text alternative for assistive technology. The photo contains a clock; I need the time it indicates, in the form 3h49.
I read 12h13
